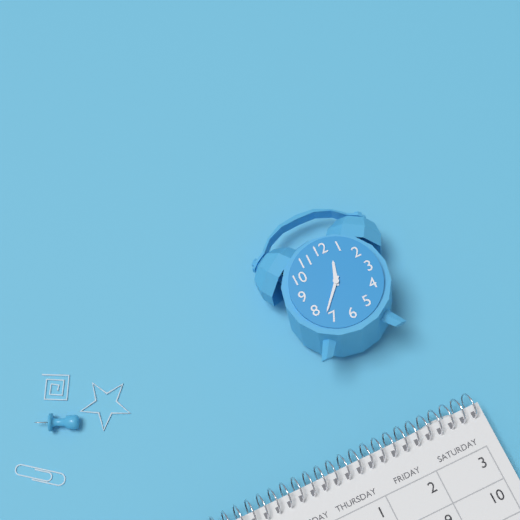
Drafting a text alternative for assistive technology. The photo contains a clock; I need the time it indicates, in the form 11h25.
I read 12h37
